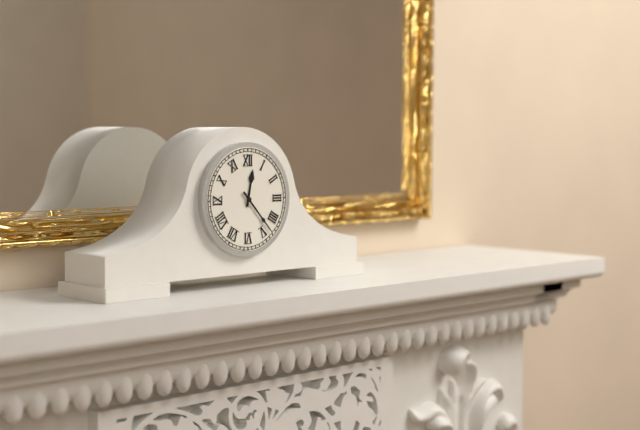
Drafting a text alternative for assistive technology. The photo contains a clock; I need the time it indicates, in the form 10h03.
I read 12h23
